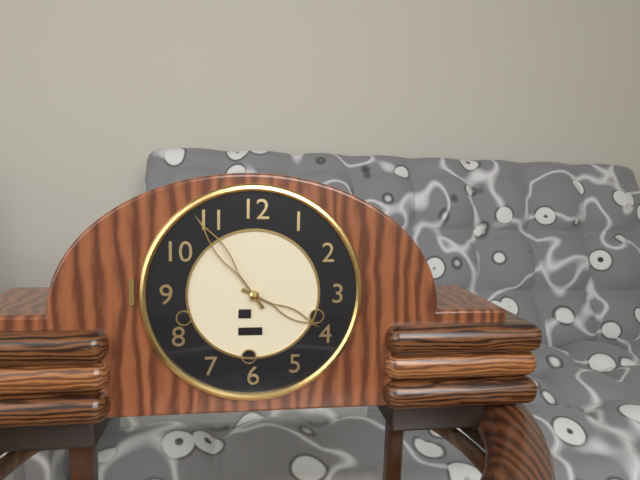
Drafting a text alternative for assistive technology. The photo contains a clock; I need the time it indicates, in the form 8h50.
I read 3h54
